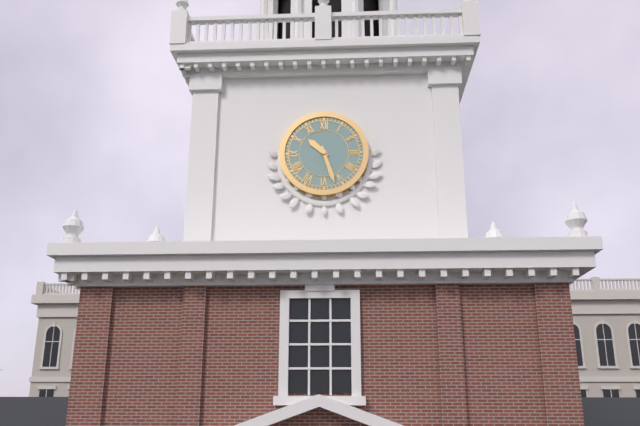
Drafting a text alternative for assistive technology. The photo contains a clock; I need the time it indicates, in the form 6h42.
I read 10h27
